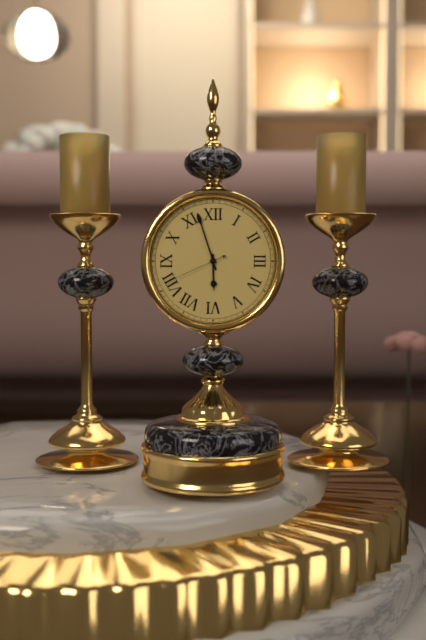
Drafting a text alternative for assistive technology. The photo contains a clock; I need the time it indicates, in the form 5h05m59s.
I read 5h57m41s
